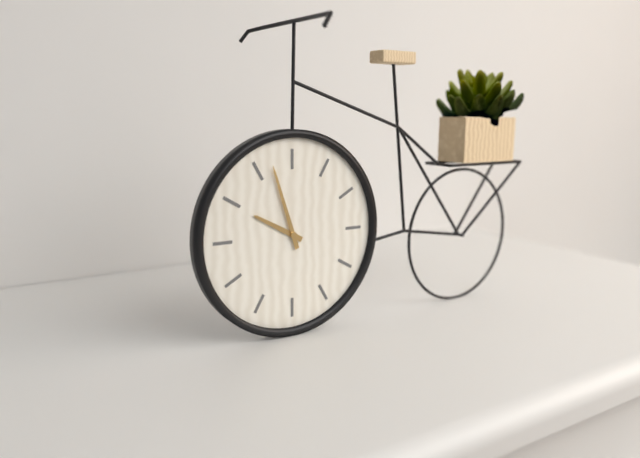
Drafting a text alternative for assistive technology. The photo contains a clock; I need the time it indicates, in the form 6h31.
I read 9h57
